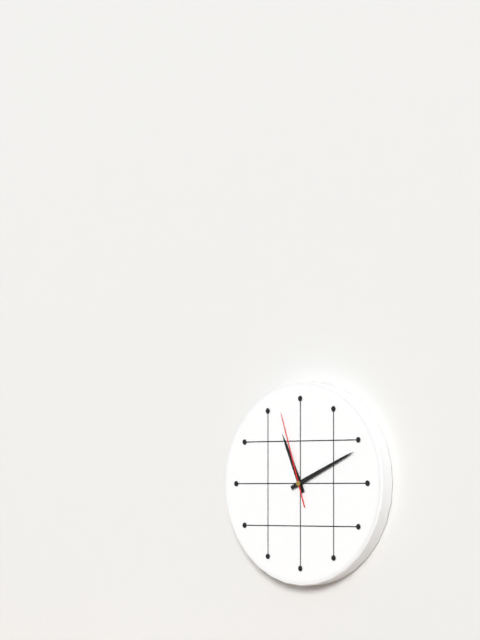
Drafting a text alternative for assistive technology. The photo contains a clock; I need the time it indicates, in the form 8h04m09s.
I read 11h11m57s
